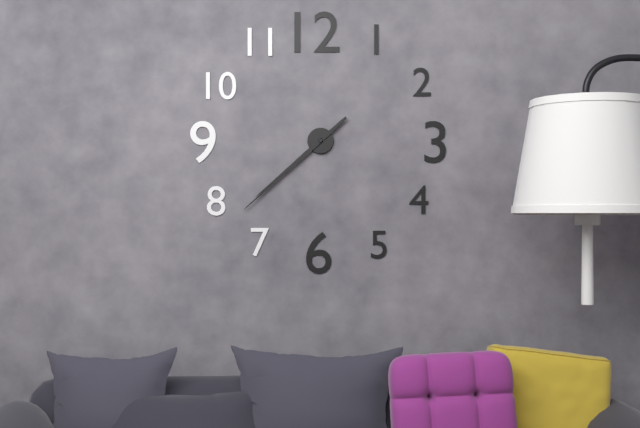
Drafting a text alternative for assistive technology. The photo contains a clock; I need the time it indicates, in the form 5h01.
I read 7h38
